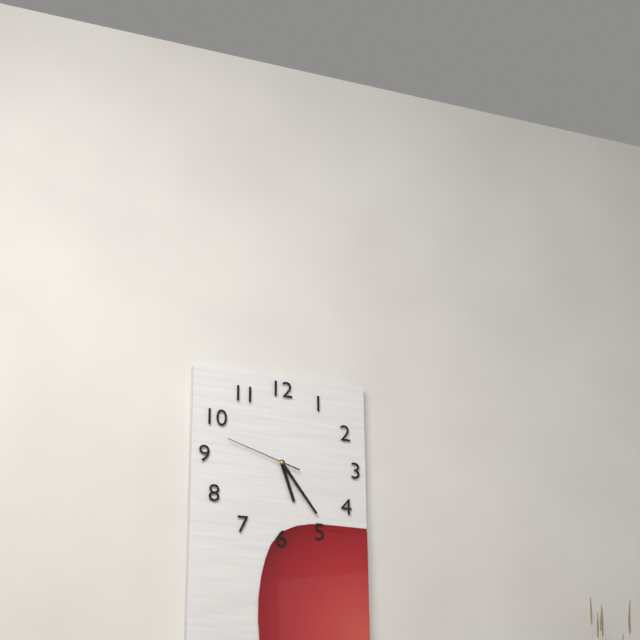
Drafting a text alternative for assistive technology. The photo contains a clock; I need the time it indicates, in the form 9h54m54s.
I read 5h24m48s
